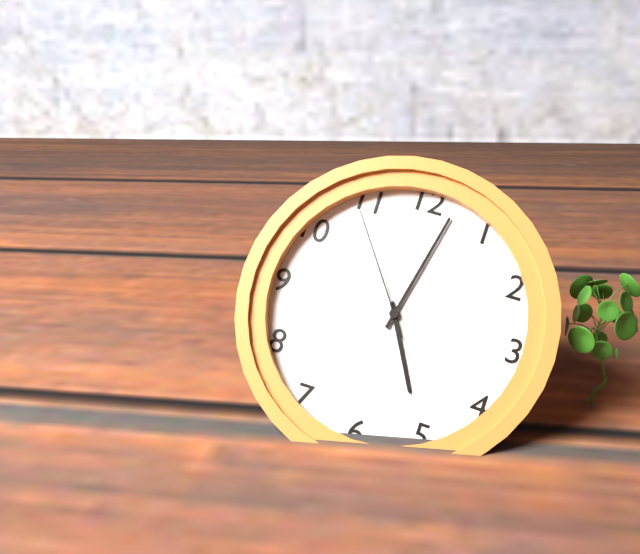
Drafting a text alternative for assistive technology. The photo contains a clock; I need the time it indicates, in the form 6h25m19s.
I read 5h02m54s
